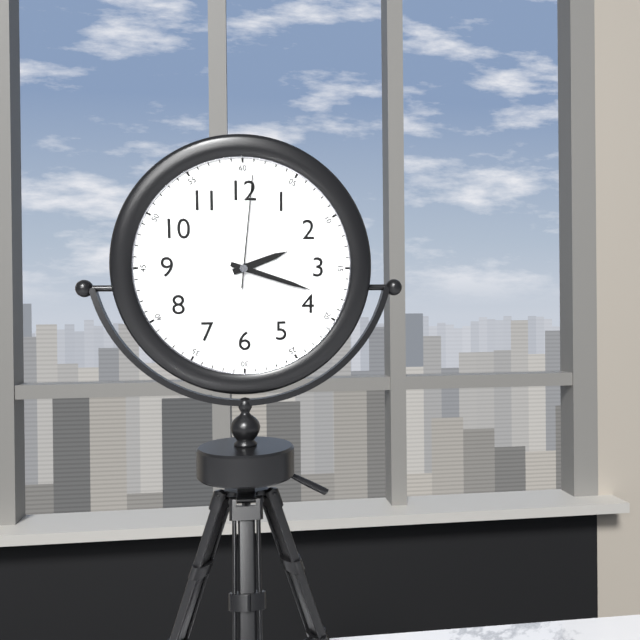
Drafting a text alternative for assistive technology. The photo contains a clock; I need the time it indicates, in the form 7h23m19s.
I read 2h18m01s
